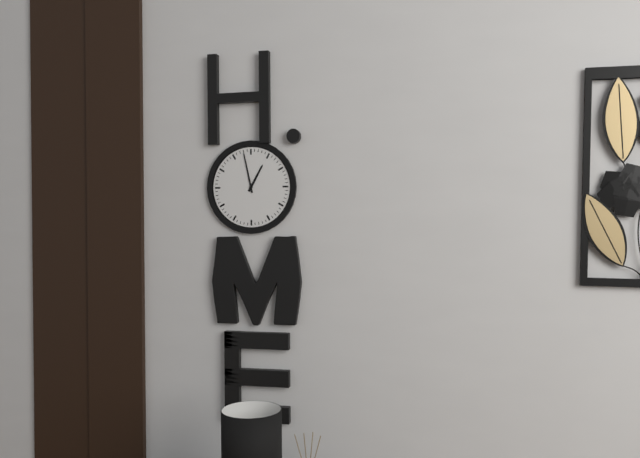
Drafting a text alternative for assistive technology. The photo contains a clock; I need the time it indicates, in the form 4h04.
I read 12h58
